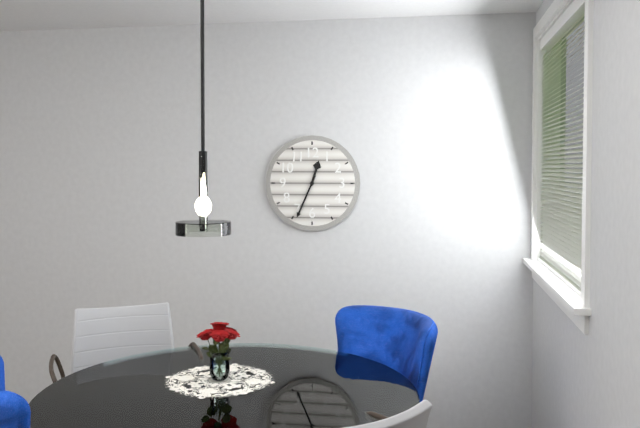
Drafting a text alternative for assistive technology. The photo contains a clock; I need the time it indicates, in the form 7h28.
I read 12h34
